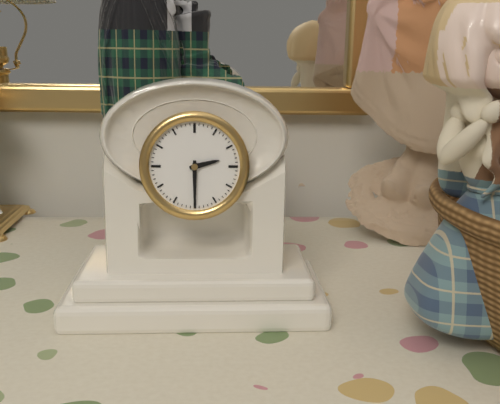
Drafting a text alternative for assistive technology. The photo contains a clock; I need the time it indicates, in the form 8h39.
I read 2h30
